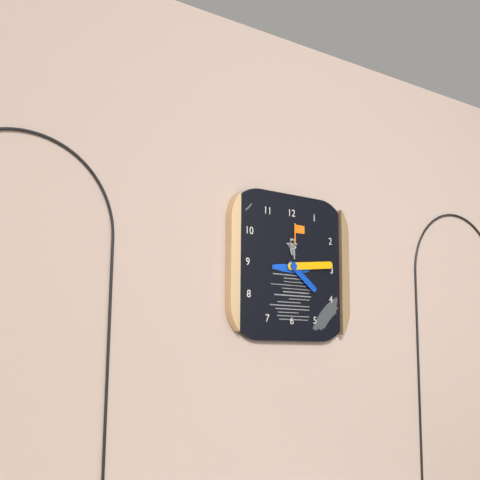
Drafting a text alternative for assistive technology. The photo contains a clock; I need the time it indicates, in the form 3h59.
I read 4h14
